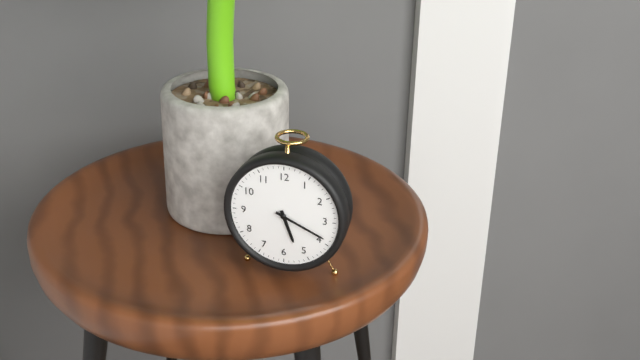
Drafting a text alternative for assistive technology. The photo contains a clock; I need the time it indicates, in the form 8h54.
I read 5h19
